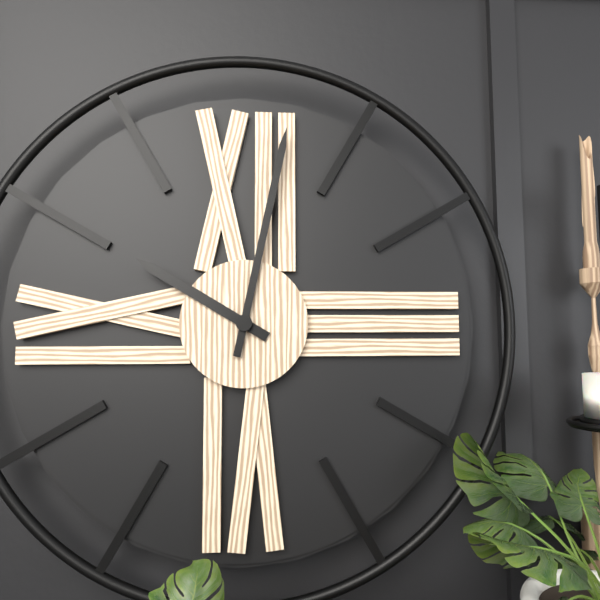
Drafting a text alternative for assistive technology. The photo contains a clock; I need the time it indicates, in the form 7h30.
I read 10h02
